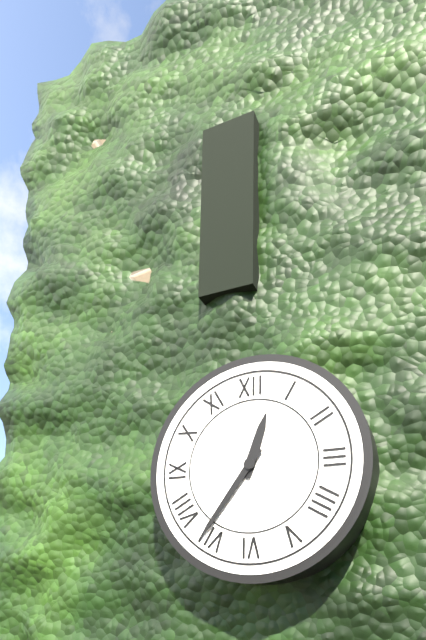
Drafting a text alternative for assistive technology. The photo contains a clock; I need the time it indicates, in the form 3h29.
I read 12h36
